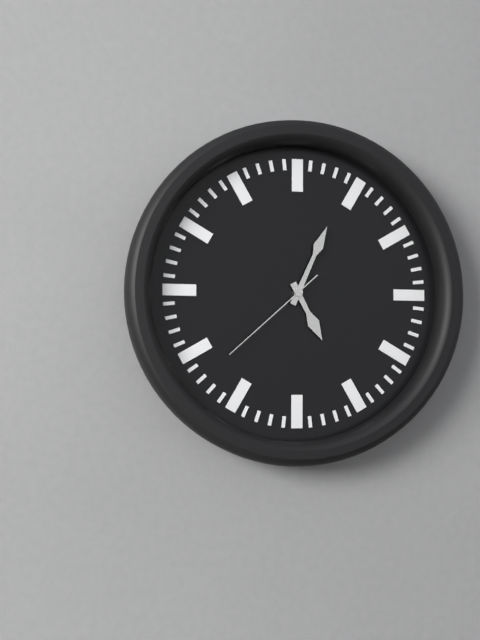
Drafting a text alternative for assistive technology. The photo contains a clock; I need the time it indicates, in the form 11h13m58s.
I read 5h04m38s
